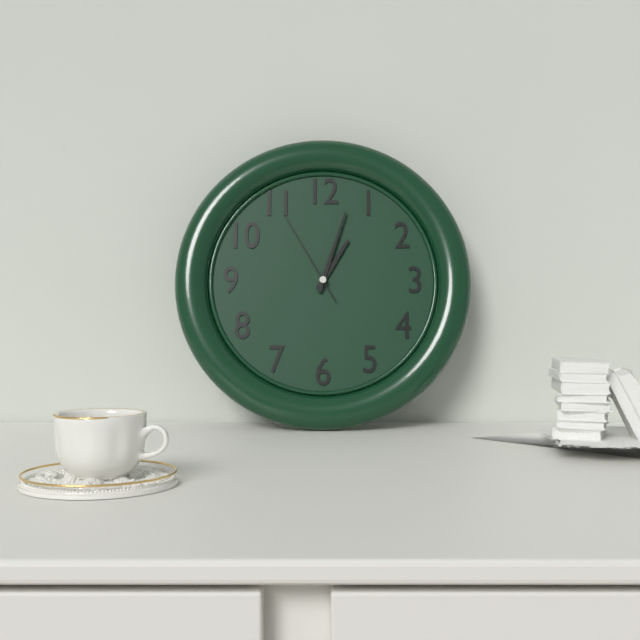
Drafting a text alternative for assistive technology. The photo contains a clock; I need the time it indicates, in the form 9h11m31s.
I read 1h03m55s
